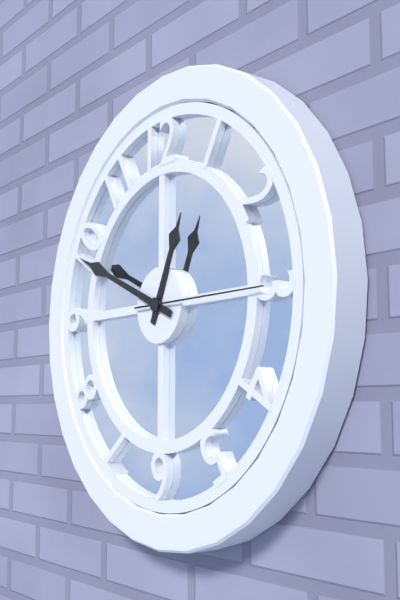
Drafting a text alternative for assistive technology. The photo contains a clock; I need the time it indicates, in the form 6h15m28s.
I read 12h49m15s
